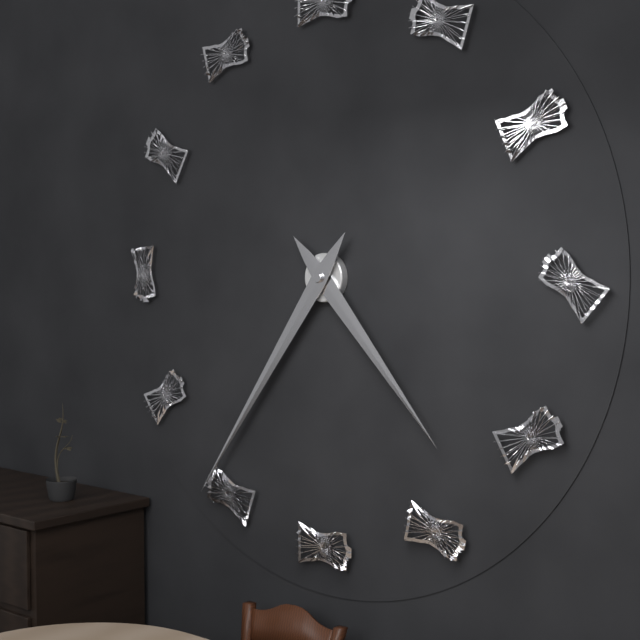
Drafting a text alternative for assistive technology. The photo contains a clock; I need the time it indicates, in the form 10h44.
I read 4h36
